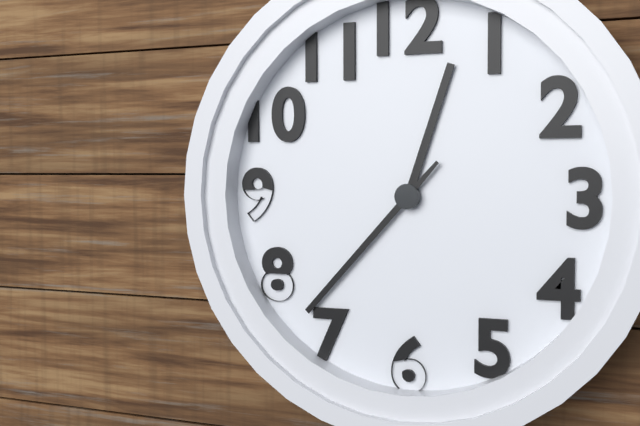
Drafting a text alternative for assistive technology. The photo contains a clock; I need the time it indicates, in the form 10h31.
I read 12h37
